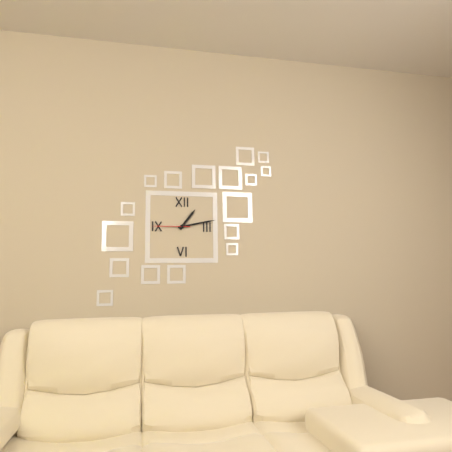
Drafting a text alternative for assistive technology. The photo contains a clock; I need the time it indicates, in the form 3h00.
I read 1h13
